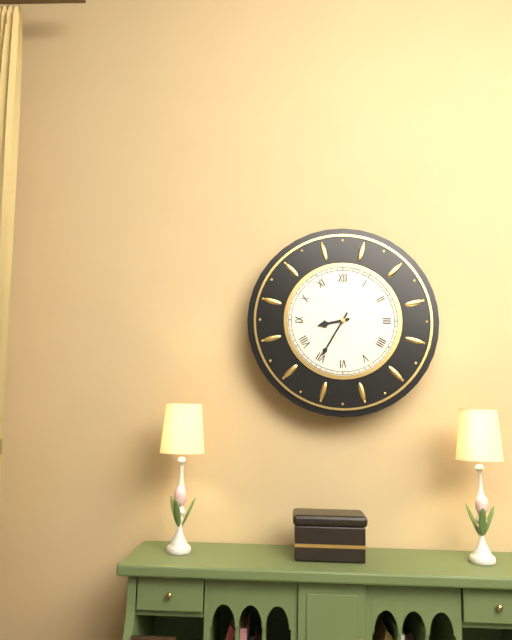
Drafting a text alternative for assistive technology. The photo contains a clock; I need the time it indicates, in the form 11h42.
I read 8h35
